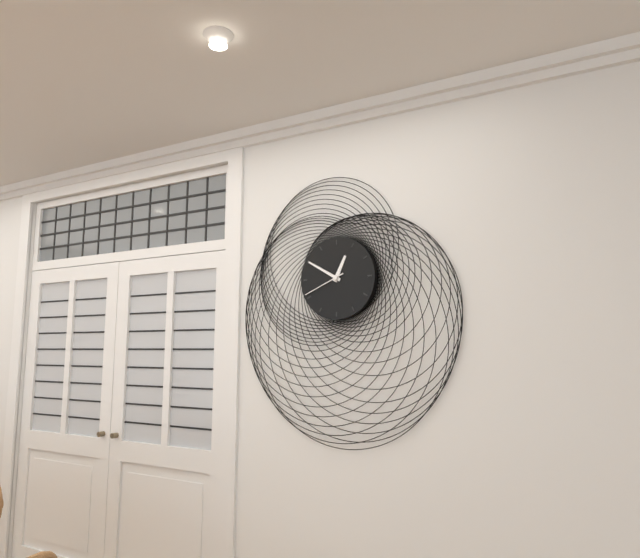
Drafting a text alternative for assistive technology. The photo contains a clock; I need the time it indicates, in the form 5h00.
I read 12h50
